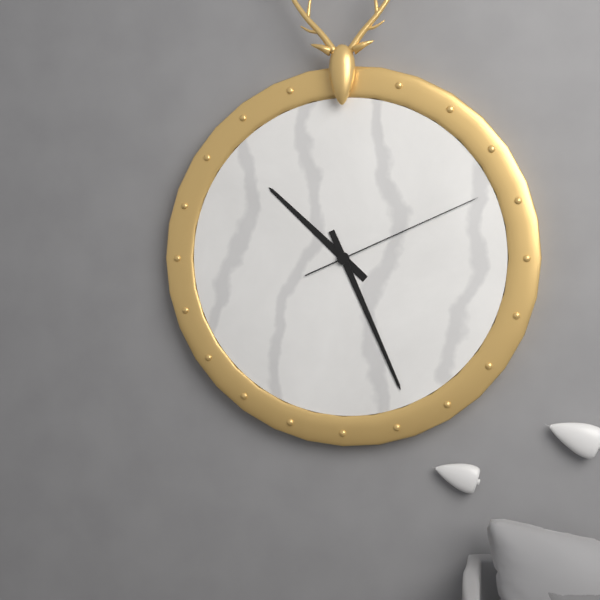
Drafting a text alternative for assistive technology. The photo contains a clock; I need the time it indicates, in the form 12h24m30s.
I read 10h26m11s
